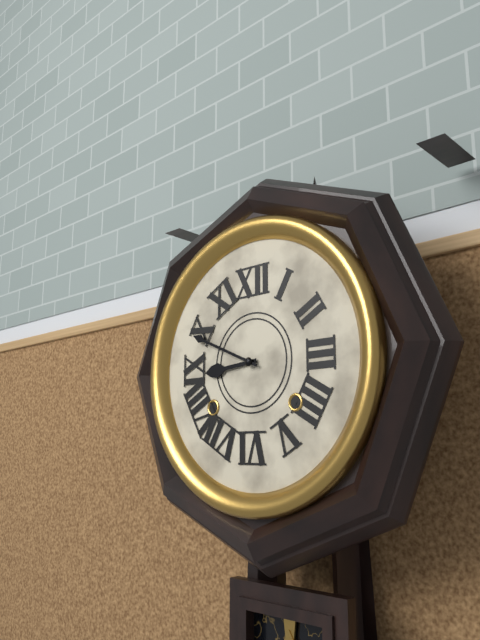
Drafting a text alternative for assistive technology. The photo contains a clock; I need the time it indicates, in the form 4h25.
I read 8h49
